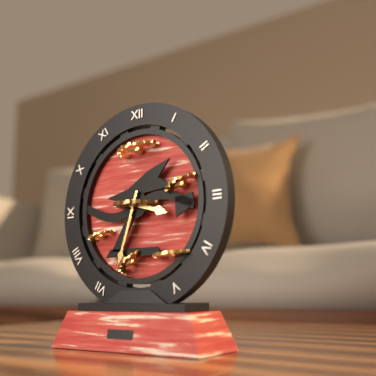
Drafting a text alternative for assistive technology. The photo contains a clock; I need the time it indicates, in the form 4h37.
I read 3h33
